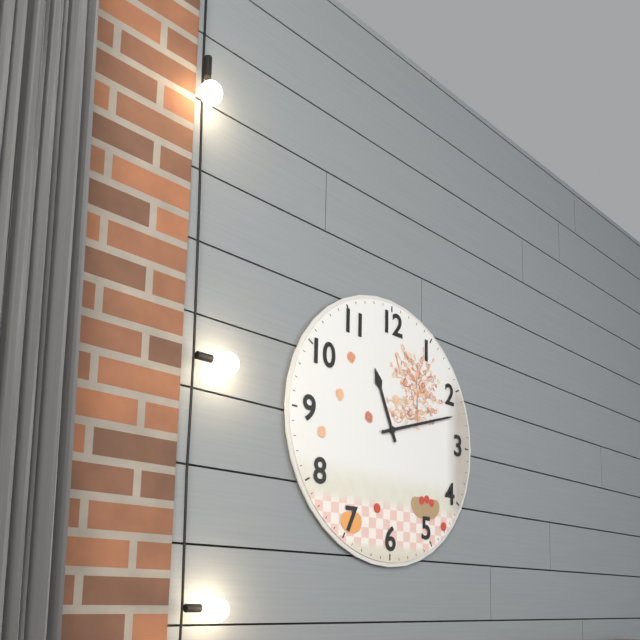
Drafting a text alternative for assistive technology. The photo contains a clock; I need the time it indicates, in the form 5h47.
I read 11h12
